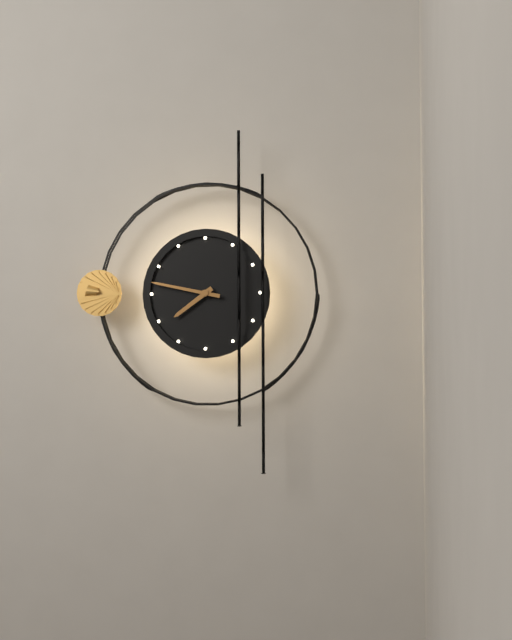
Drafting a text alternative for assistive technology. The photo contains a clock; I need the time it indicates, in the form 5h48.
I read 7h47
